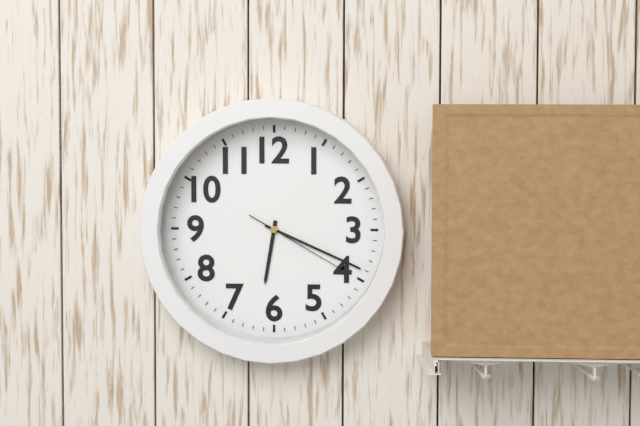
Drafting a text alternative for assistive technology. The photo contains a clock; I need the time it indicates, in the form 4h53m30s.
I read 6h19m20s
